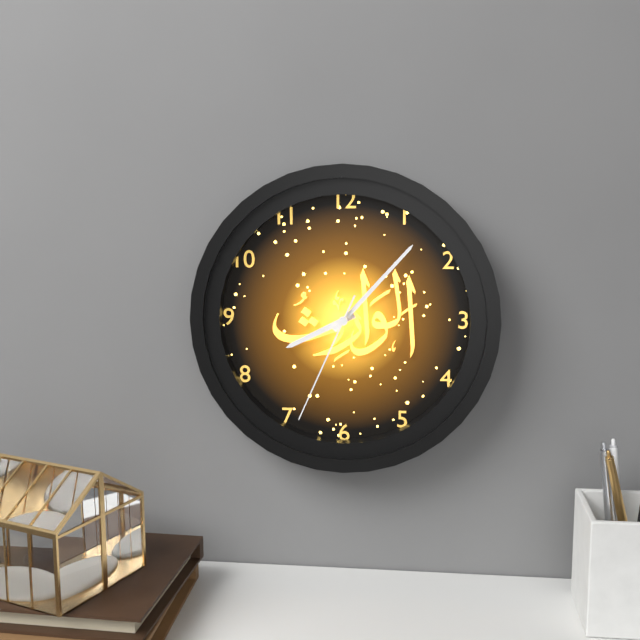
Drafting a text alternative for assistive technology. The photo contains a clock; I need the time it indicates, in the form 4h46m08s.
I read 8h07m34s
